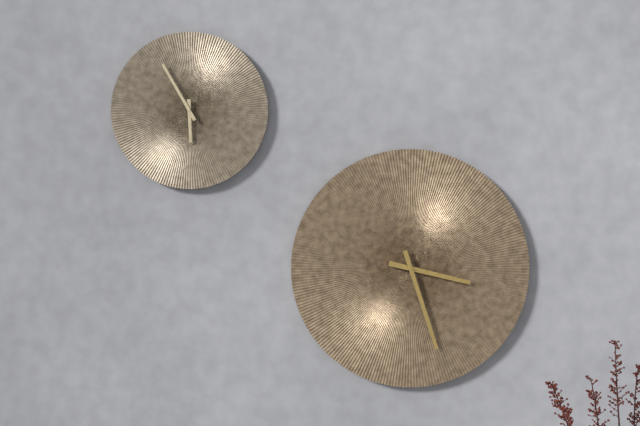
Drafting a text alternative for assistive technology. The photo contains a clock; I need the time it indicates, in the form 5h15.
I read 3h27
